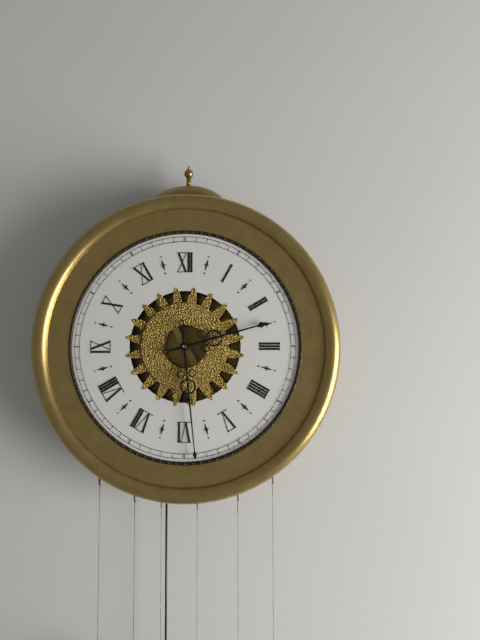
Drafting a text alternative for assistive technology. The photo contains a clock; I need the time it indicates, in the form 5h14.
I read 2h29
